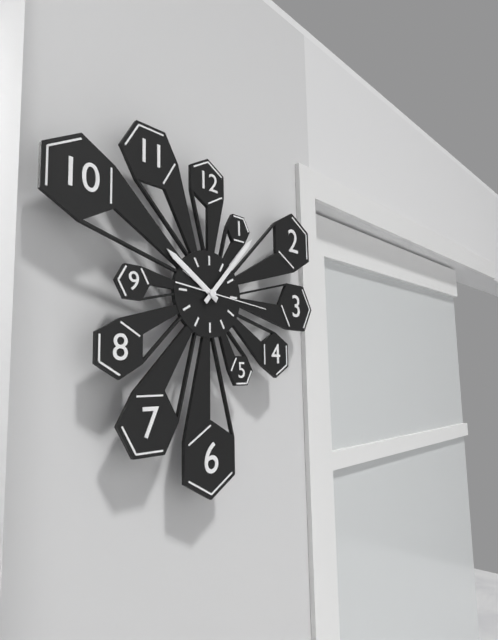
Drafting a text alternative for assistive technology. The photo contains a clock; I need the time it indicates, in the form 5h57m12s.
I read 10h07m16s
